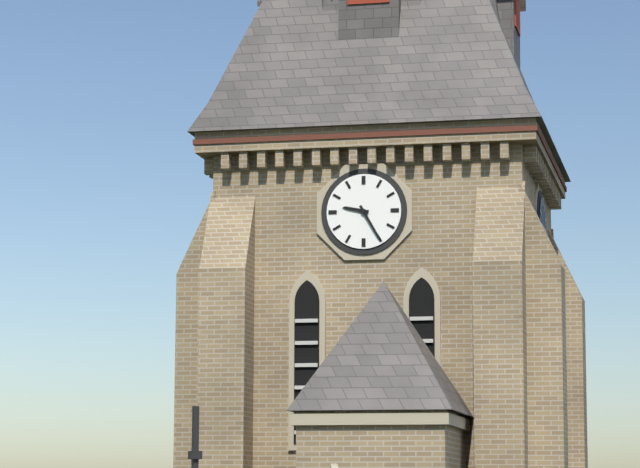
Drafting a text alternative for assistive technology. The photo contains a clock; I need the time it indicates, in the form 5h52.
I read 9h25
